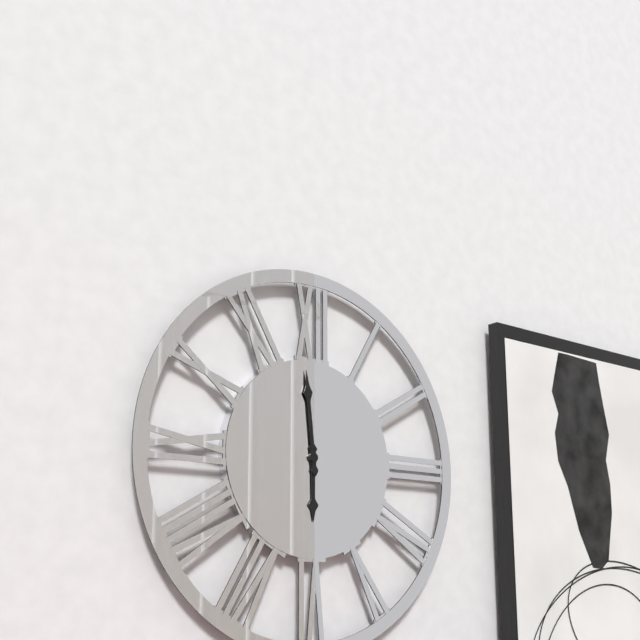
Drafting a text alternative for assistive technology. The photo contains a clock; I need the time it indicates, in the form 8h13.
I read 5h59
